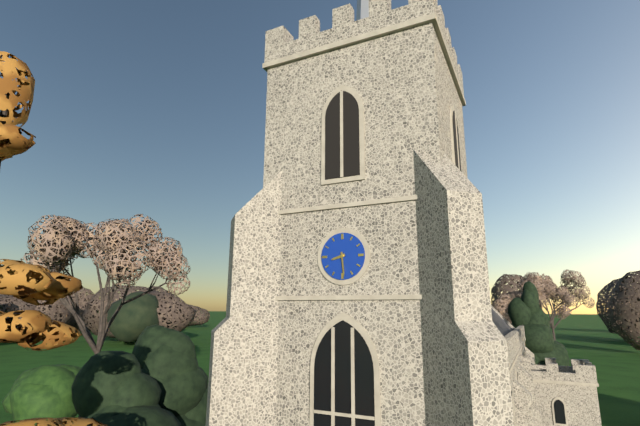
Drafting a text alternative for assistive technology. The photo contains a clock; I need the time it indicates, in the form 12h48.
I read 8h29
